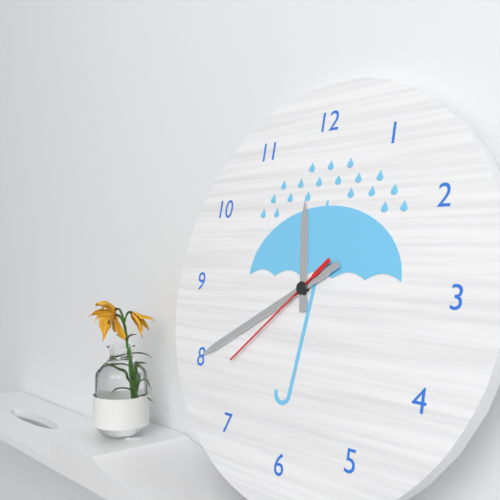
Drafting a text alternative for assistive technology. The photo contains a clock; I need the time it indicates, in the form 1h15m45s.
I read 11h40m38s
